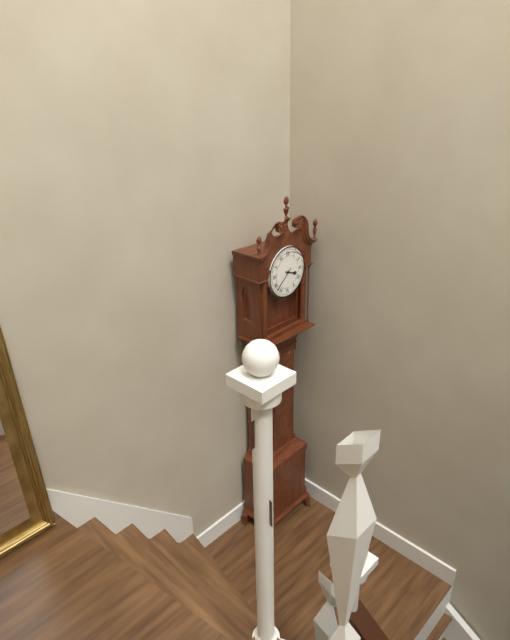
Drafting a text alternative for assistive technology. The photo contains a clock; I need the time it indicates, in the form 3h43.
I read 3h38
